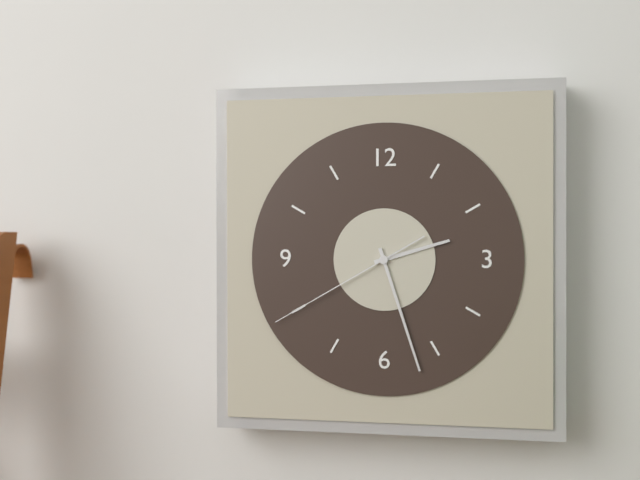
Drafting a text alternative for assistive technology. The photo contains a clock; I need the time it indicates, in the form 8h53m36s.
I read 2h27m40s
